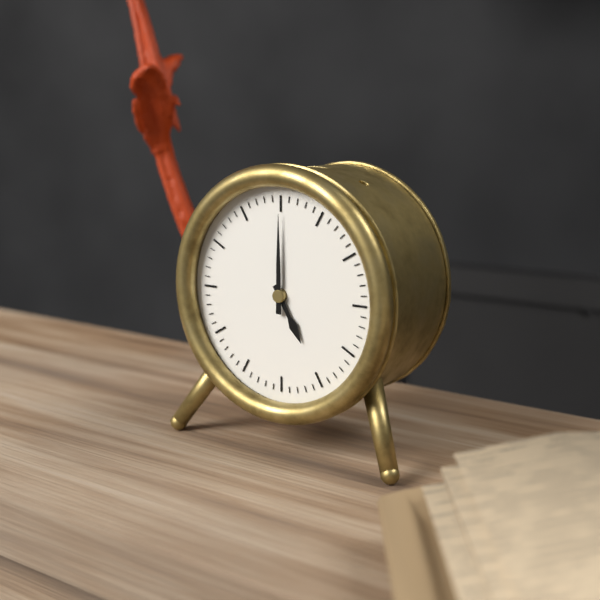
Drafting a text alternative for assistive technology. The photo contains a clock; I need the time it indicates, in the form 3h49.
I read 5h00
